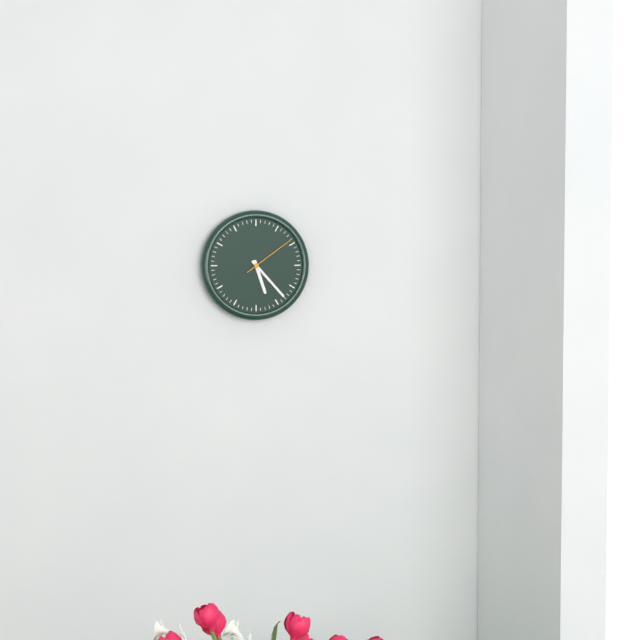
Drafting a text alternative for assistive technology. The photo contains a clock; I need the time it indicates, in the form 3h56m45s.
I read 5h23m09s
